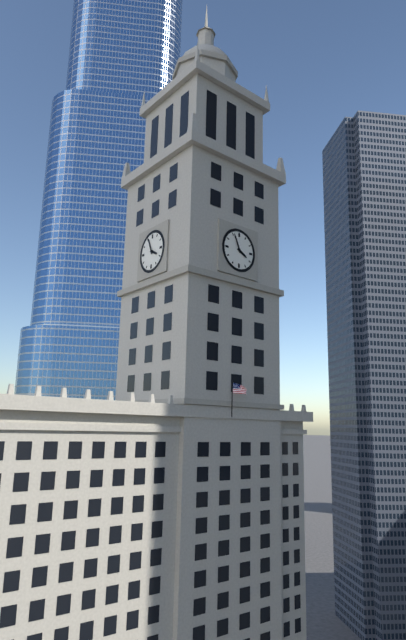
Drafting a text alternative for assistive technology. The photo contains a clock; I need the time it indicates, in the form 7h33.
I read 3h56
